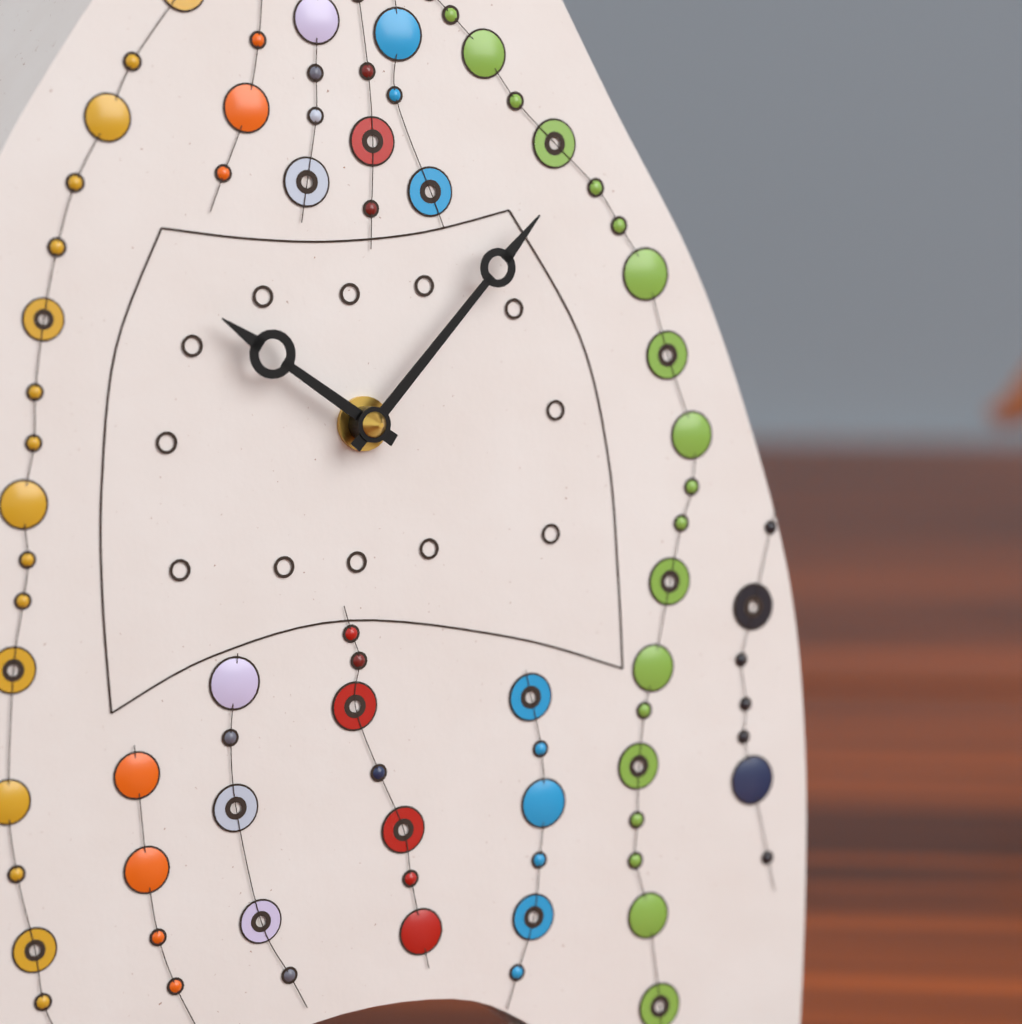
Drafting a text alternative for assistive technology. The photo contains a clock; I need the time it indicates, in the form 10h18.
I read 10h07
